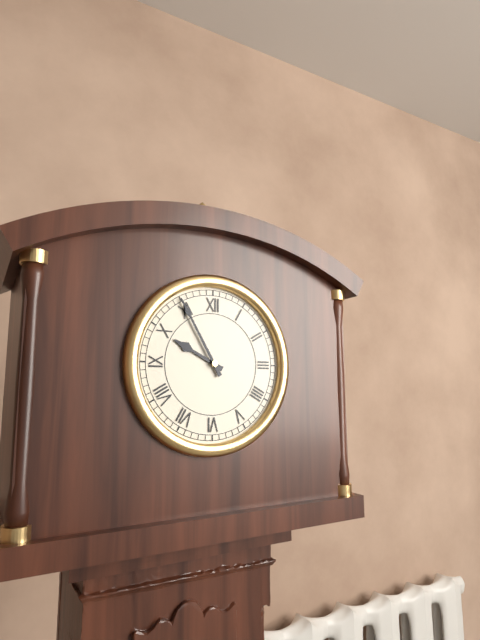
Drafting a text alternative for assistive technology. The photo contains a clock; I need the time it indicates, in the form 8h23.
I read 9h55
